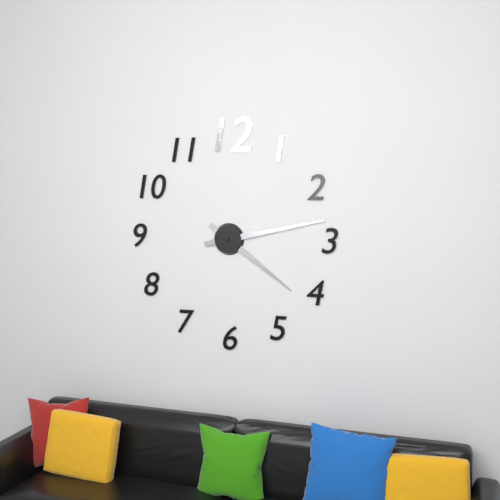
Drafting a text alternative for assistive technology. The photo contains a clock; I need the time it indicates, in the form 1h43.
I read 4h13
